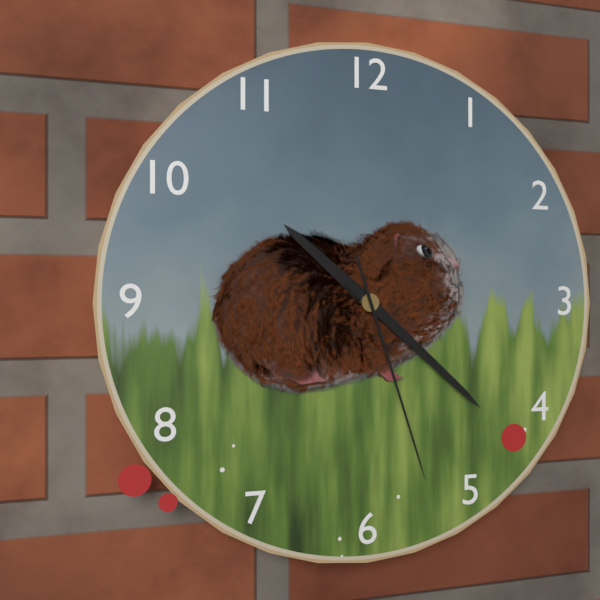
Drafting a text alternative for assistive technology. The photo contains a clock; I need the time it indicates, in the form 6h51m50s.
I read 10h22m27s
